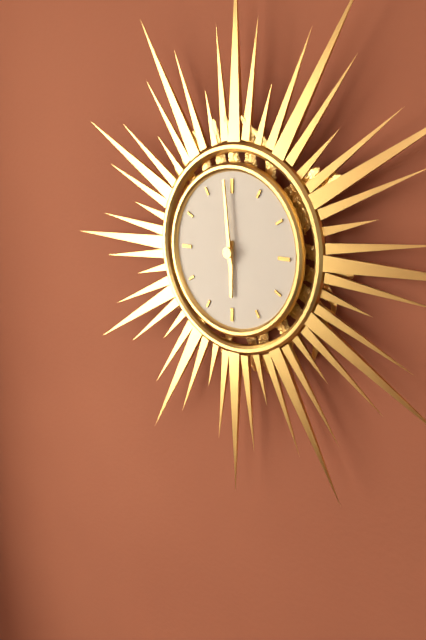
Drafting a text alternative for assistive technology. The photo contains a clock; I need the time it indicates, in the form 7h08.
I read 5h59
